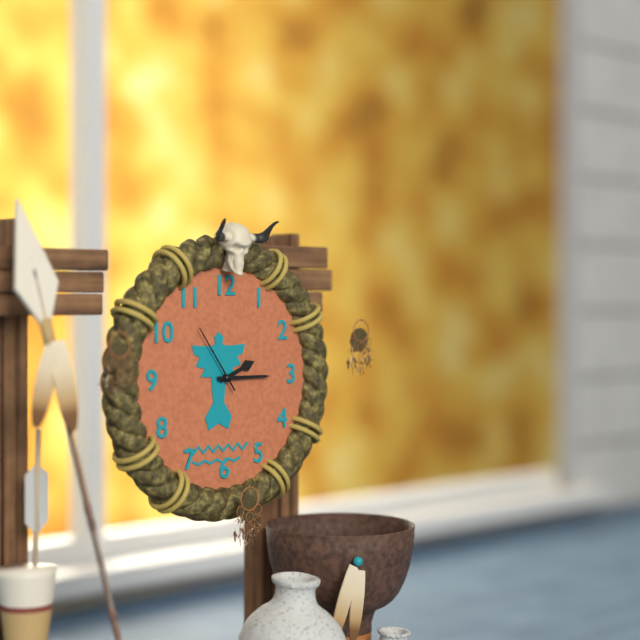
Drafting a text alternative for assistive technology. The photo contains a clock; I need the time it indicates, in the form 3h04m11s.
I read 2h15m54s
